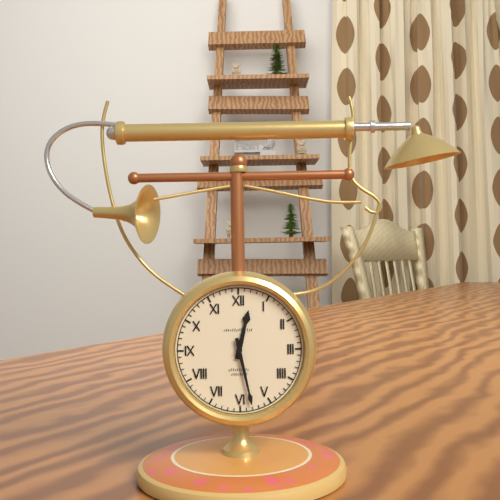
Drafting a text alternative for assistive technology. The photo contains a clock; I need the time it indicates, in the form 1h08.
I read 12h28
